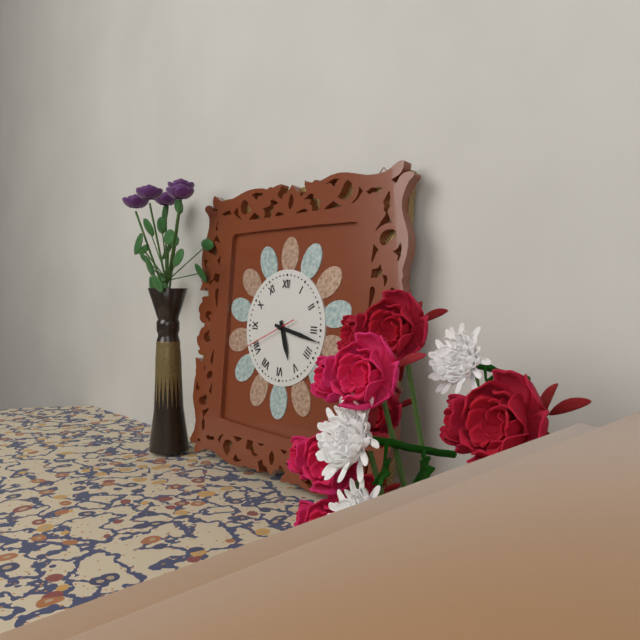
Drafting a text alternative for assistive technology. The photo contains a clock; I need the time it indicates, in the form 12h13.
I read 5h17
